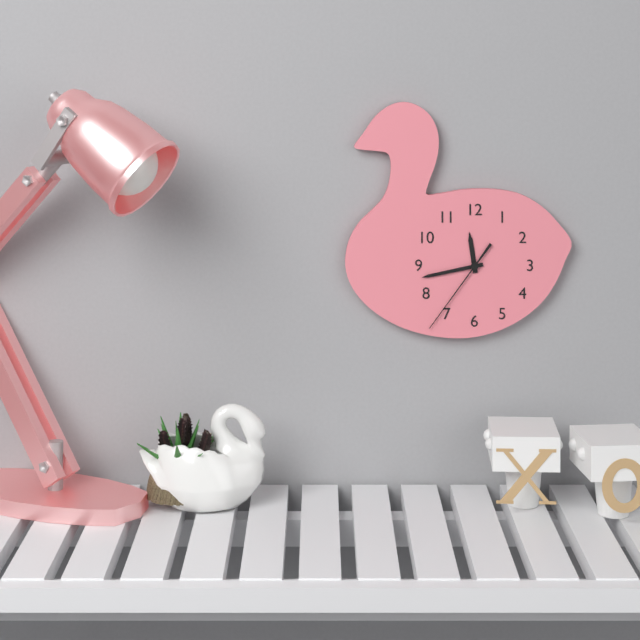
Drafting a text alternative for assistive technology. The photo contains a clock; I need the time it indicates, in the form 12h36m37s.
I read 11h43m36s
